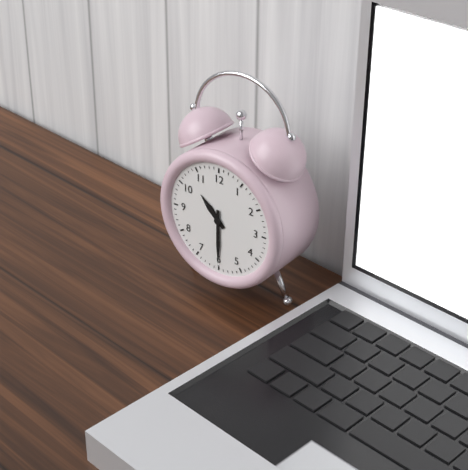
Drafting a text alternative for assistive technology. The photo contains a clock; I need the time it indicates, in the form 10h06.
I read 10h30
